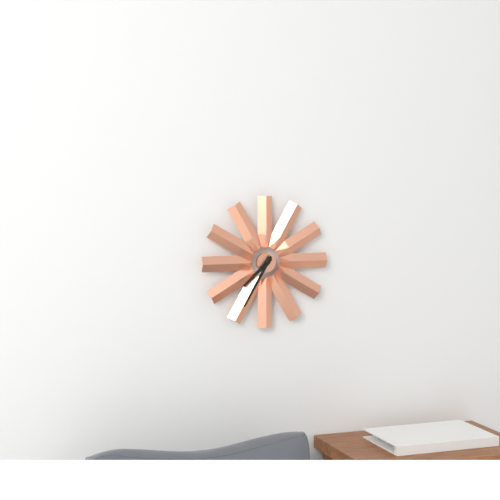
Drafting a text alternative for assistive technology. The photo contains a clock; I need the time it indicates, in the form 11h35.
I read 7h35
